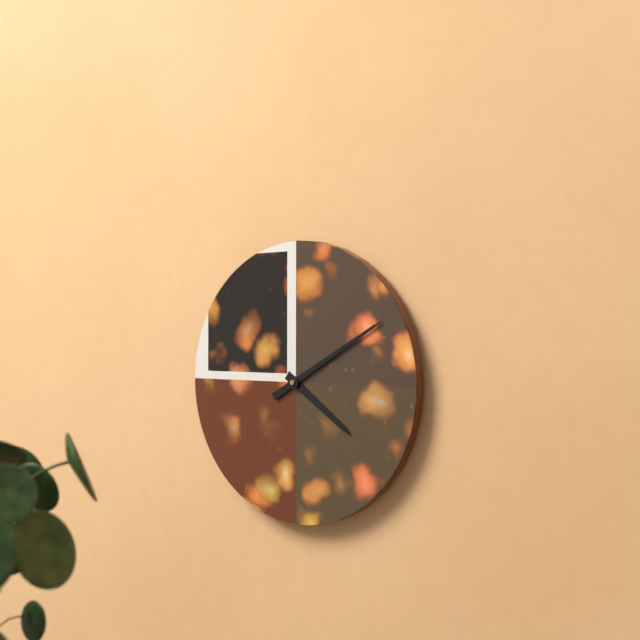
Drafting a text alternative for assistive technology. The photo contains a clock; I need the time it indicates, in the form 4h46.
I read 4h10
